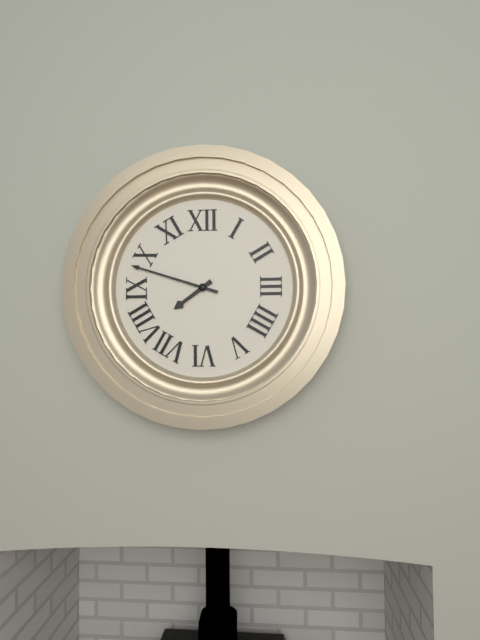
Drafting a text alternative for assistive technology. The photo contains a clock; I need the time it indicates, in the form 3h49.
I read 7h48
